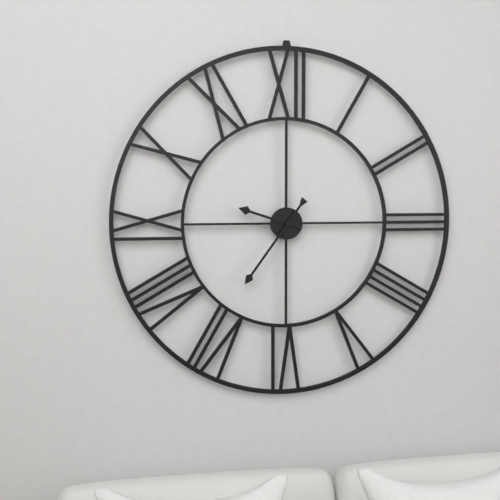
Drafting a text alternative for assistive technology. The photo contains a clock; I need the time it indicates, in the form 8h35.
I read 9h36
